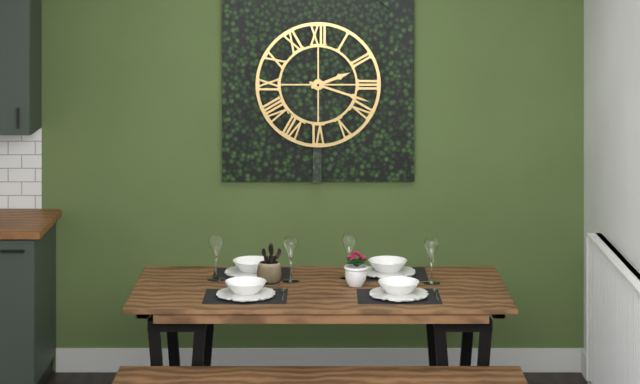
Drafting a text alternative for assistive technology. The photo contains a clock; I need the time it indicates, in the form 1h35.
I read 2h18
